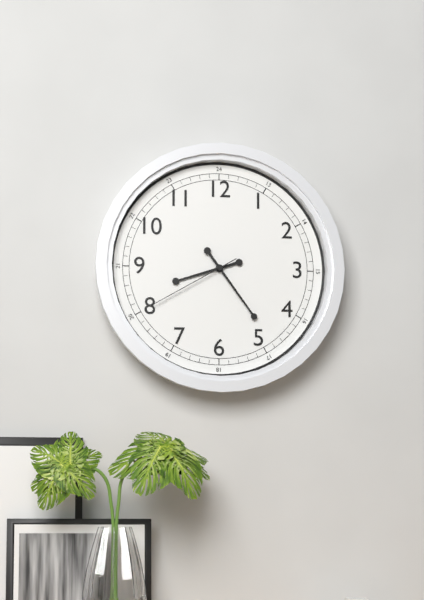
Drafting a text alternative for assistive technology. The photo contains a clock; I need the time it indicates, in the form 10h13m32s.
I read 8h24m40s
